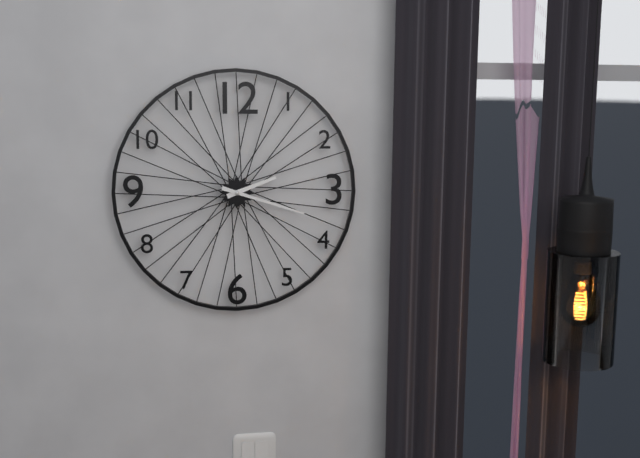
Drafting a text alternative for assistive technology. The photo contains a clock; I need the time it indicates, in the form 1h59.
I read 2h18
